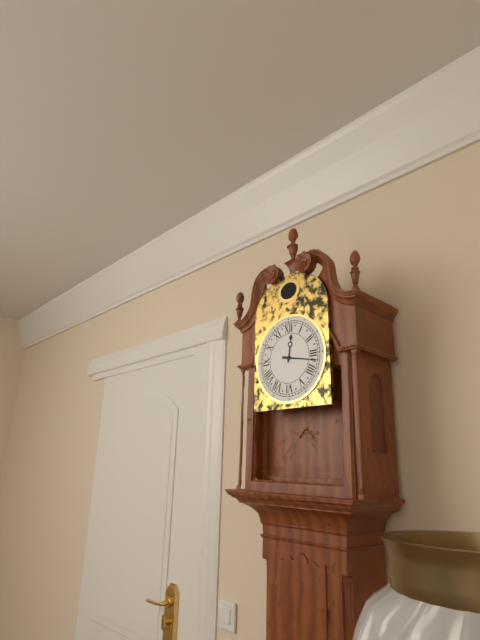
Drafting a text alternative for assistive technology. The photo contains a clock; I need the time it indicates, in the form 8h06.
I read 12h17
